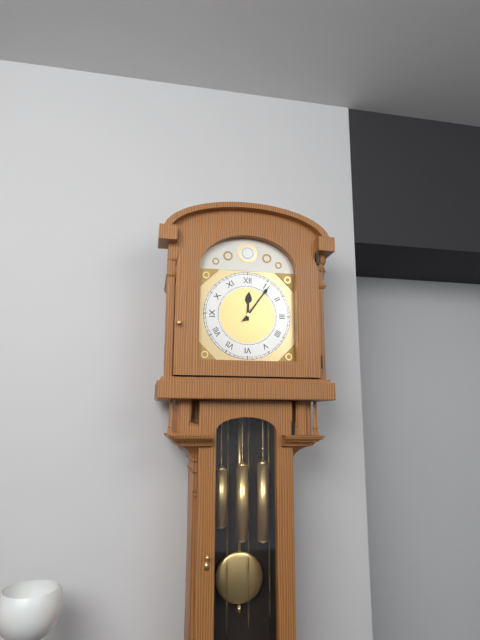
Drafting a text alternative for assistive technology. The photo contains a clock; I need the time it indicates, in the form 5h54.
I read 12h06
